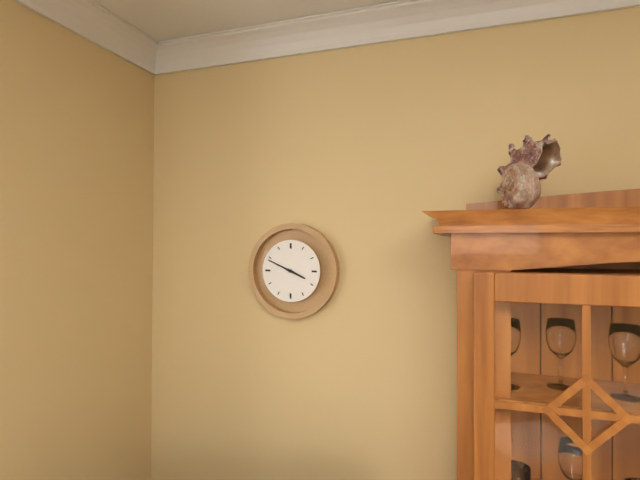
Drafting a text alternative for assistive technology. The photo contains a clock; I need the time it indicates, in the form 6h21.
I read 3h49
